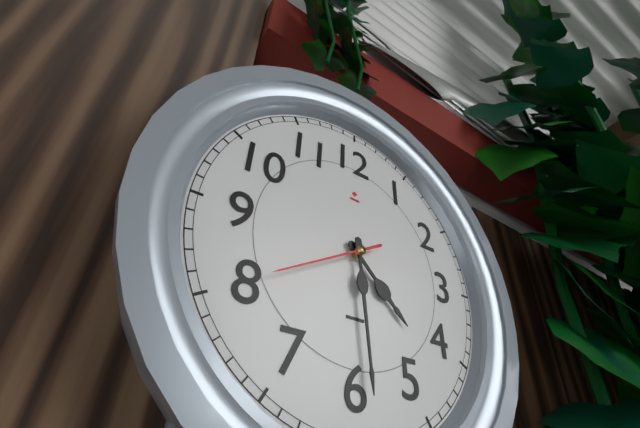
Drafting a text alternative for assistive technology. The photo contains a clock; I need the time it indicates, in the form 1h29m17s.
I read 4h29m40s
